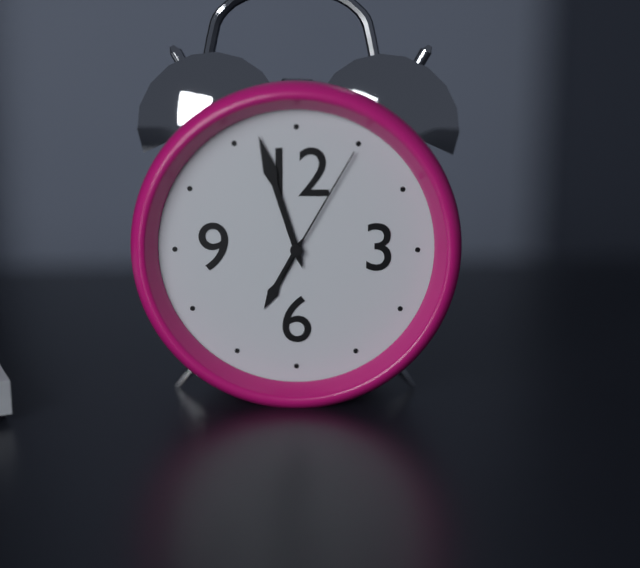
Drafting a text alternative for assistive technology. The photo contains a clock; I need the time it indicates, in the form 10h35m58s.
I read 6h57m05s
